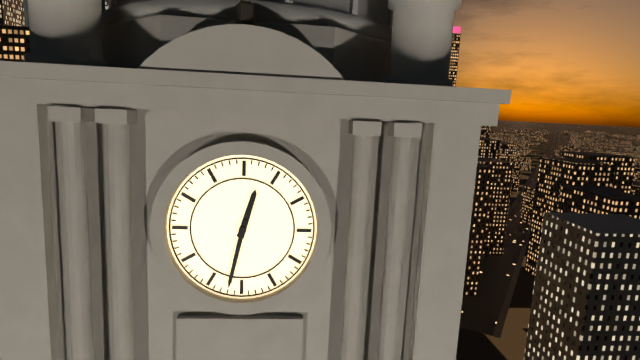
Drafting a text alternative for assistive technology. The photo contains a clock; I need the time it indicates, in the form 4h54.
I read 12h32
